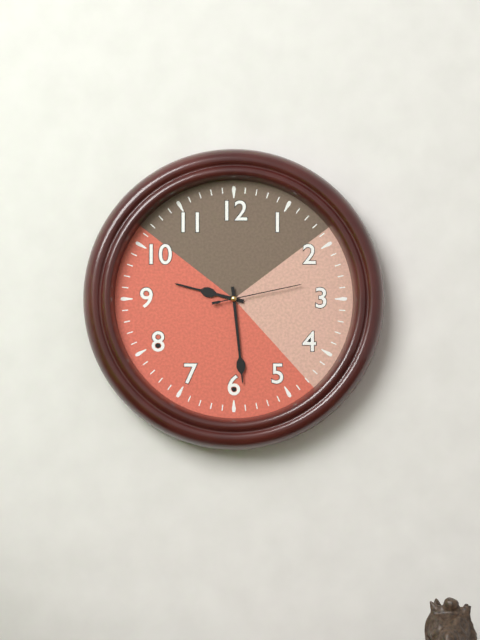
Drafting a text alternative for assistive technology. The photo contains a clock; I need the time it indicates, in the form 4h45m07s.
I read 9h29m13s
